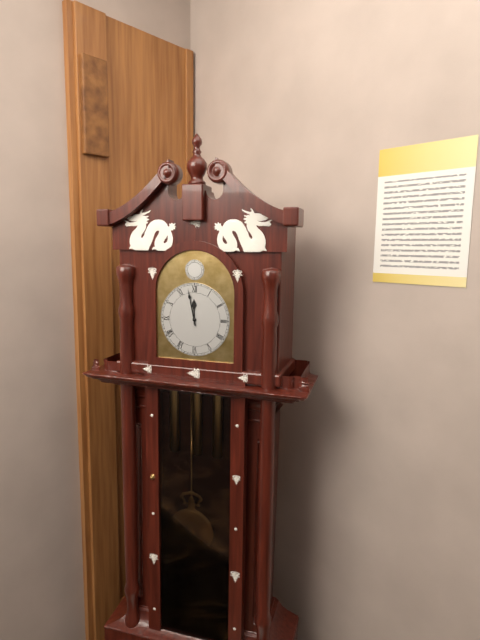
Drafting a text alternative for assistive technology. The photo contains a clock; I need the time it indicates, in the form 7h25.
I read 11h58
